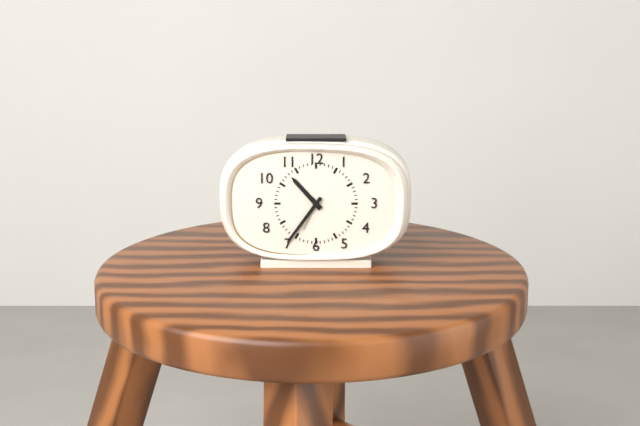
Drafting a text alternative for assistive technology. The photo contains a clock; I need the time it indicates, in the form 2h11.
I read 10h36
